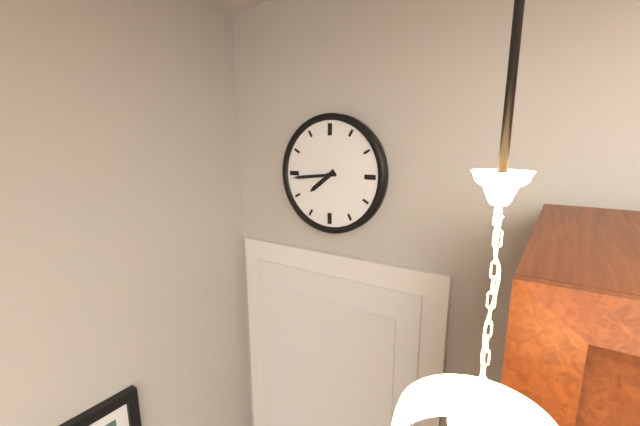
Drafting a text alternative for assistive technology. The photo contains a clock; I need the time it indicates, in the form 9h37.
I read 7h44
